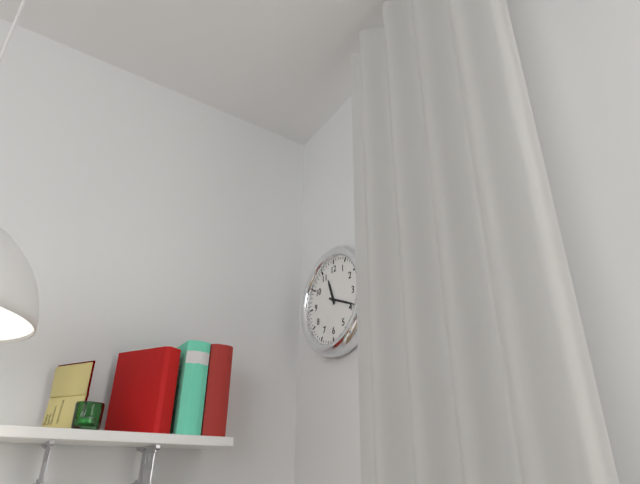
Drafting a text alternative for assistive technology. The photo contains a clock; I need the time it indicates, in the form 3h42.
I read 11h19
